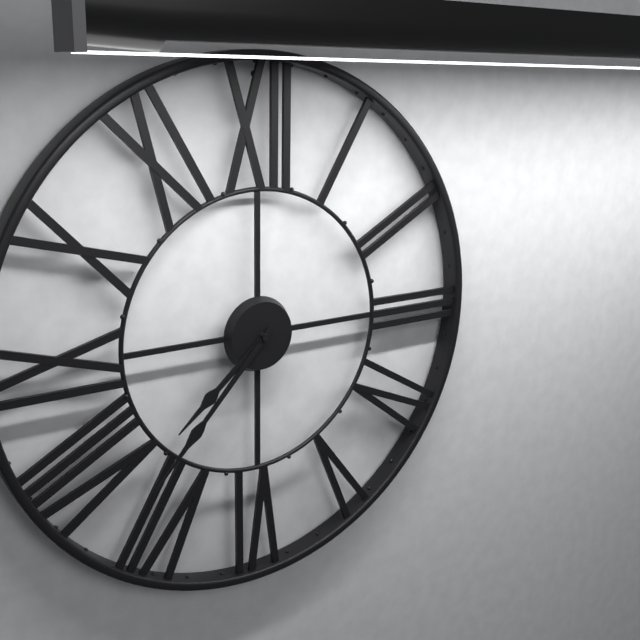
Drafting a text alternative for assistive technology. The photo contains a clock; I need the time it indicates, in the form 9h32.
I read 7h37
